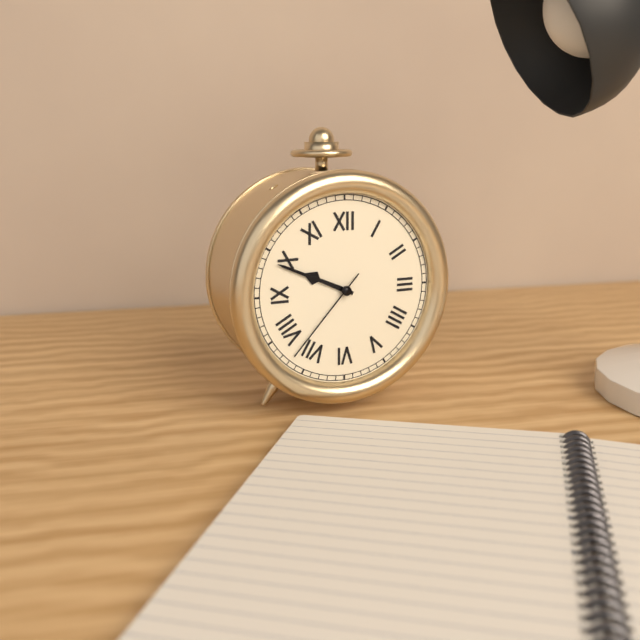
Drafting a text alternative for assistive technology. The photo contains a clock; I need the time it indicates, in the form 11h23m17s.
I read 9h49m37s
